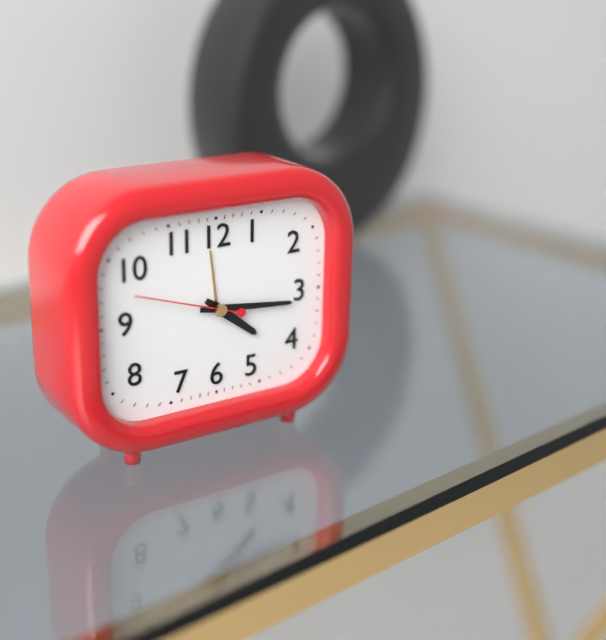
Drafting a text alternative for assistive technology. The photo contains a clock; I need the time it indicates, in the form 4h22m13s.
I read 4h16m48s
